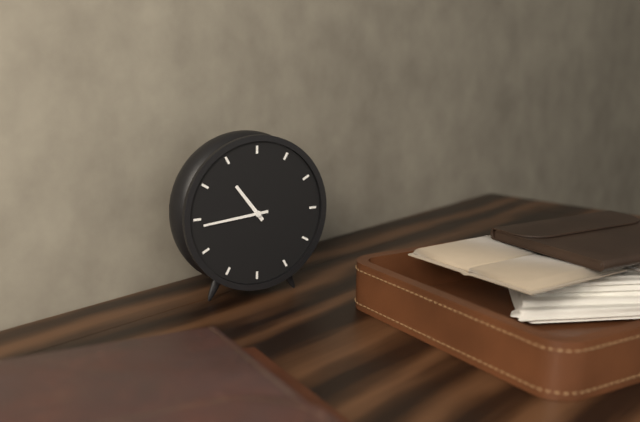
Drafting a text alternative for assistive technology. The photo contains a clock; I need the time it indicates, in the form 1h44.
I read 10h44
